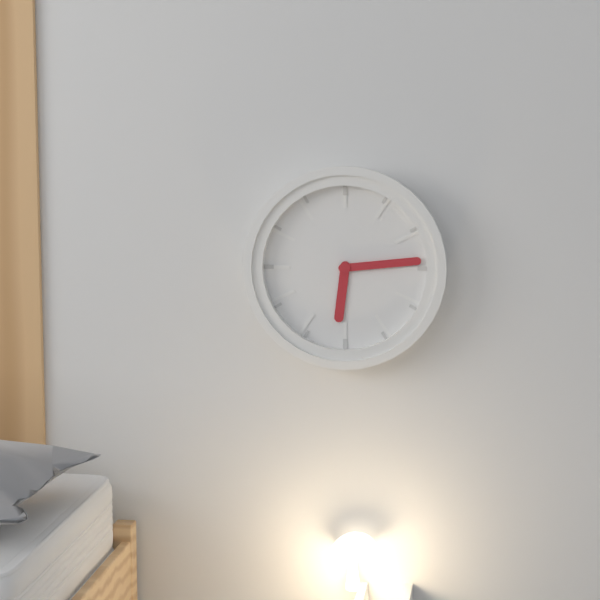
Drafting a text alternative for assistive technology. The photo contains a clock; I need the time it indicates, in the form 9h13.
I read 6h14
